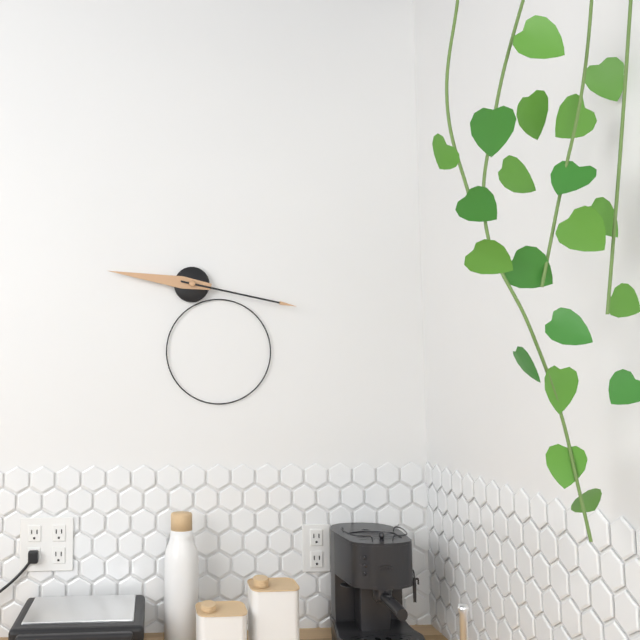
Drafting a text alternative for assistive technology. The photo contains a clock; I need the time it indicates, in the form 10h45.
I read 9h17
